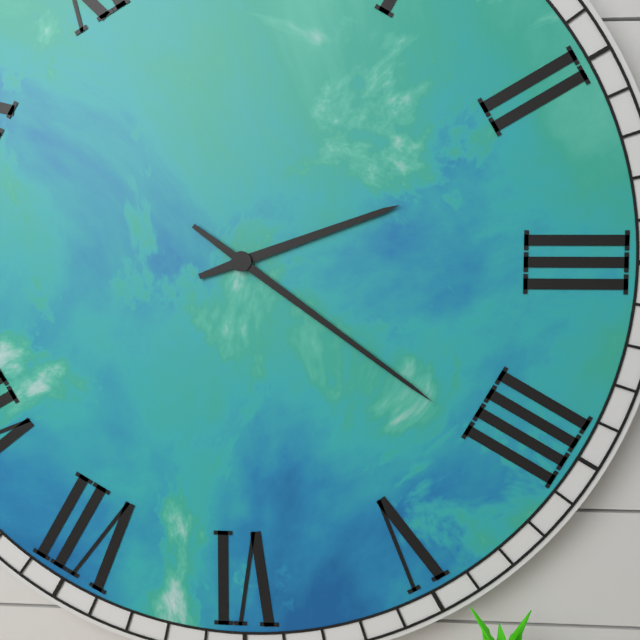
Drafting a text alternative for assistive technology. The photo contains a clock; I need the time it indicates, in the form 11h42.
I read 2h21
